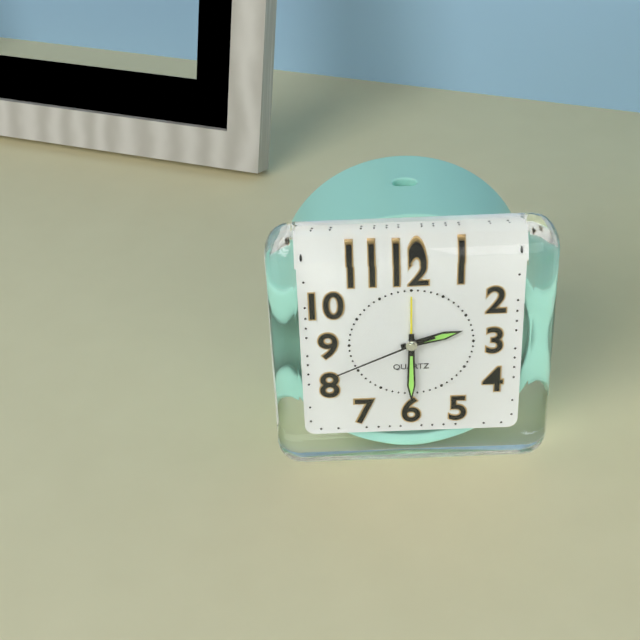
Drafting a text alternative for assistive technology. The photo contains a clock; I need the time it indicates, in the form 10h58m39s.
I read 2h30m41s
